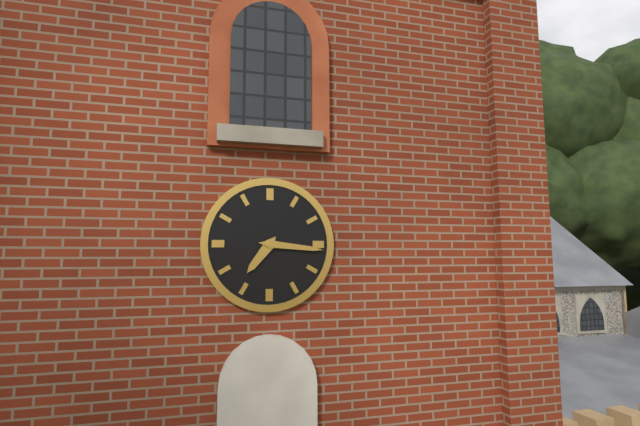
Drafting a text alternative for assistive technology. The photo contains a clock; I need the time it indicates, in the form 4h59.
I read 7h16
